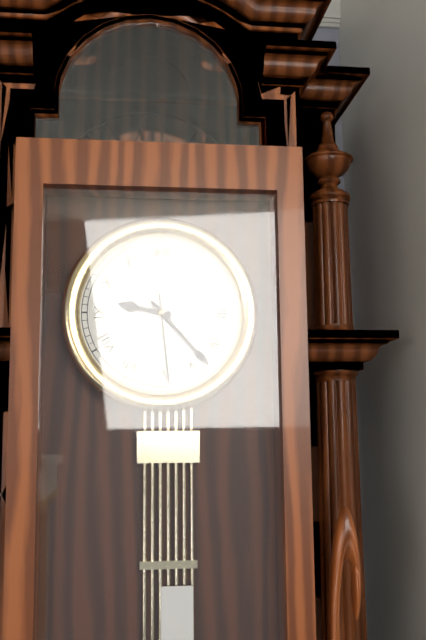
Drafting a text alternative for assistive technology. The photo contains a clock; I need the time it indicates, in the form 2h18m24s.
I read 9h23m29s
